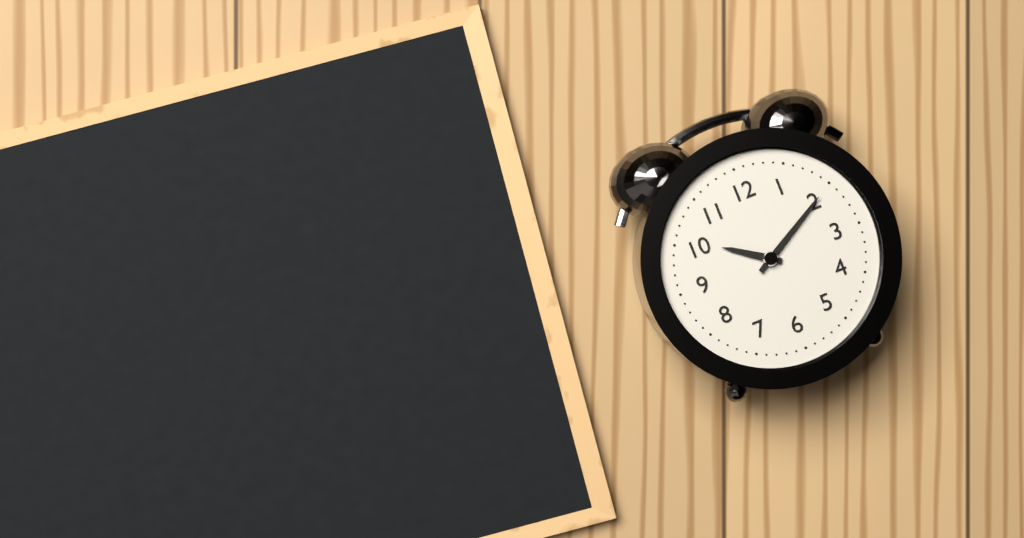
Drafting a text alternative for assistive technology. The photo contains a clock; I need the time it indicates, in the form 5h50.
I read 10h10
